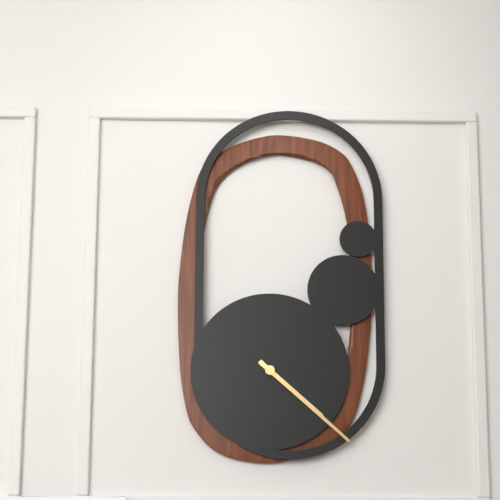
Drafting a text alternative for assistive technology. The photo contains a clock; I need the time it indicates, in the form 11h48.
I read 4h22
